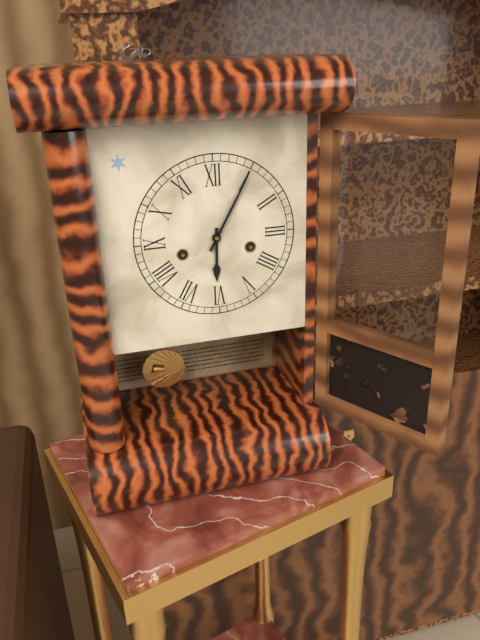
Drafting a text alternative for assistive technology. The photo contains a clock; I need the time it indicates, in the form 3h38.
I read 6h05
